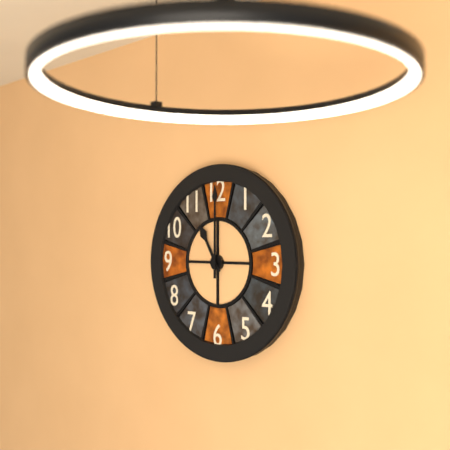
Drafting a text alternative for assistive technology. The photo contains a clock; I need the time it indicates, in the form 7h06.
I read 11h00
